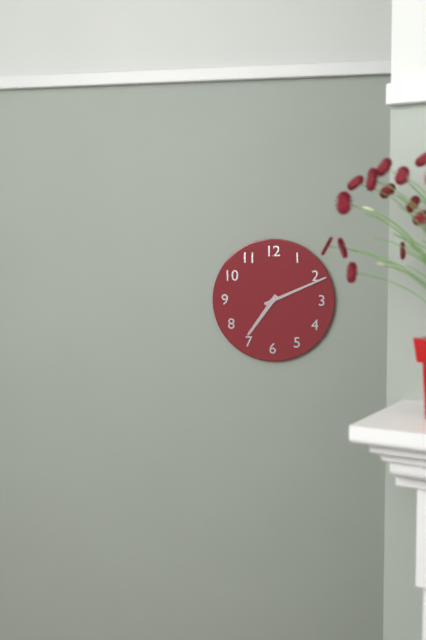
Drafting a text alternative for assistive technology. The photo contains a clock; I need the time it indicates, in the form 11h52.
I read 7h11
